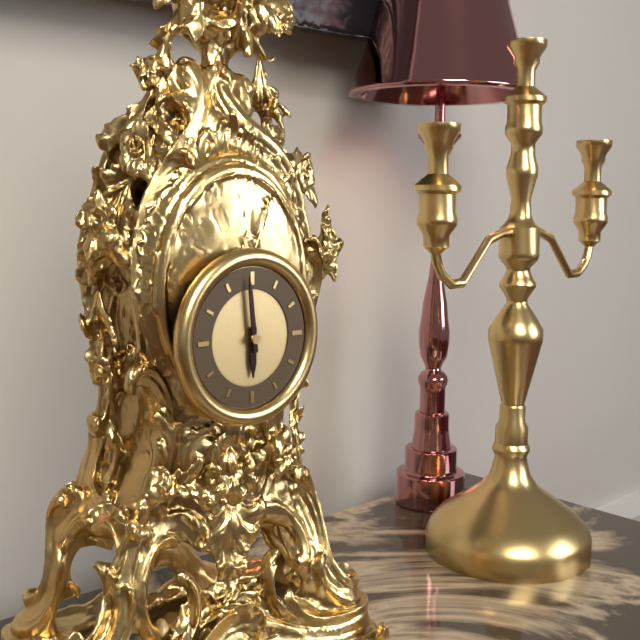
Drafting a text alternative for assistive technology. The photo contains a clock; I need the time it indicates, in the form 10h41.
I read 5h59
